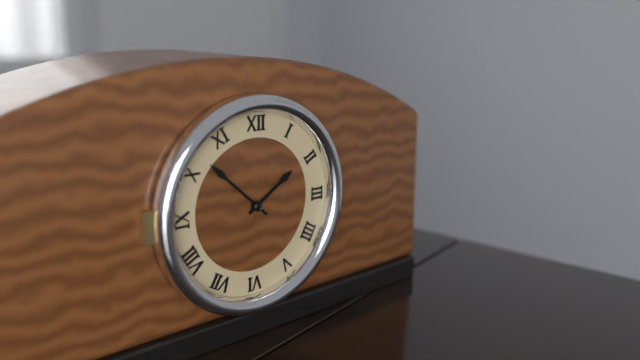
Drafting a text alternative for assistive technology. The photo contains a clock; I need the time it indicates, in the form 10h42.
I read 1h52
